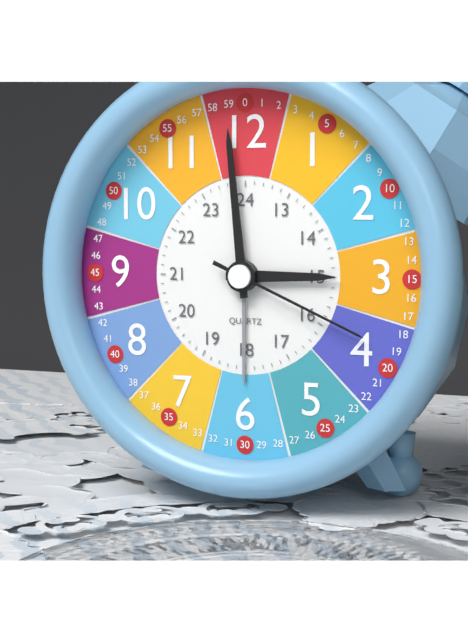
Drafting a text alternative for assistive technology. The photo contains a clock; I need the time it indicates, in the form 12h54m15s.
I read 2h59m19s
